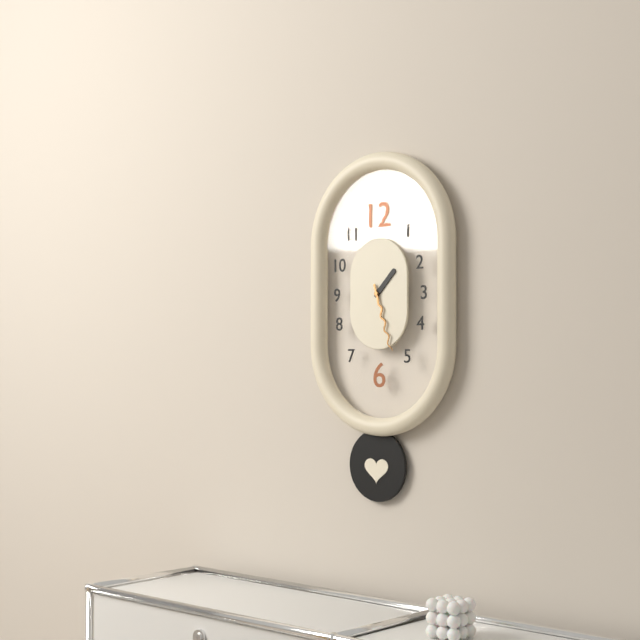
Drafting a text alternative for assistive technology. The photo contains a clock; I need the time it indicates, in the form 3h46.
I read 1h27
